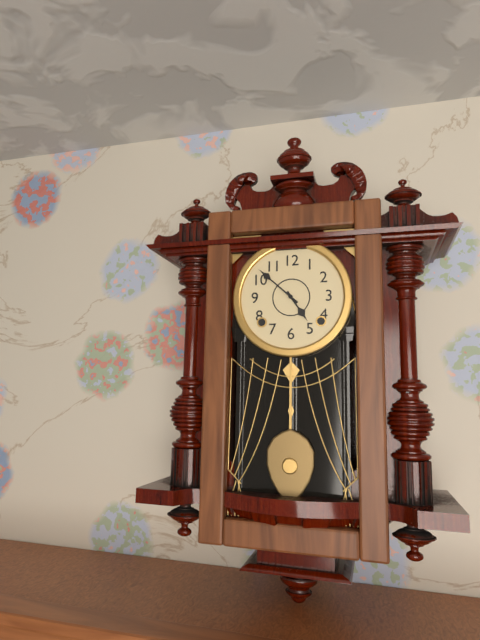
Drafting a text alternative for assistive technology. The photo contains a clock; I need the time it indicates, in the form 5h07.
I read 4h52
